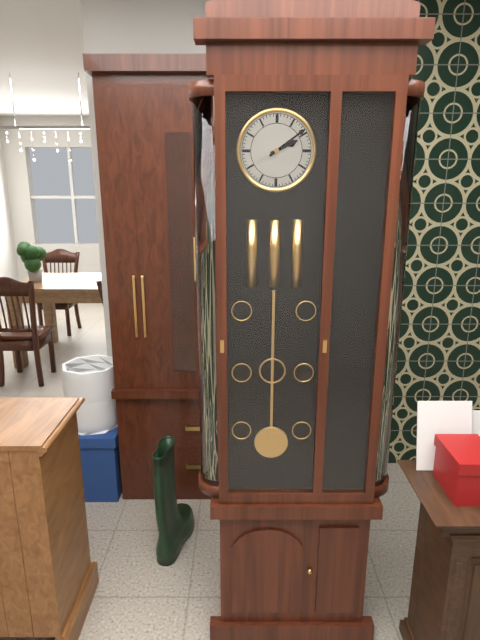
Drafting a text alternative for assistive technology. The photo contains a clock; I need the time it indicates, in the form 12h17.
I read 2h09
